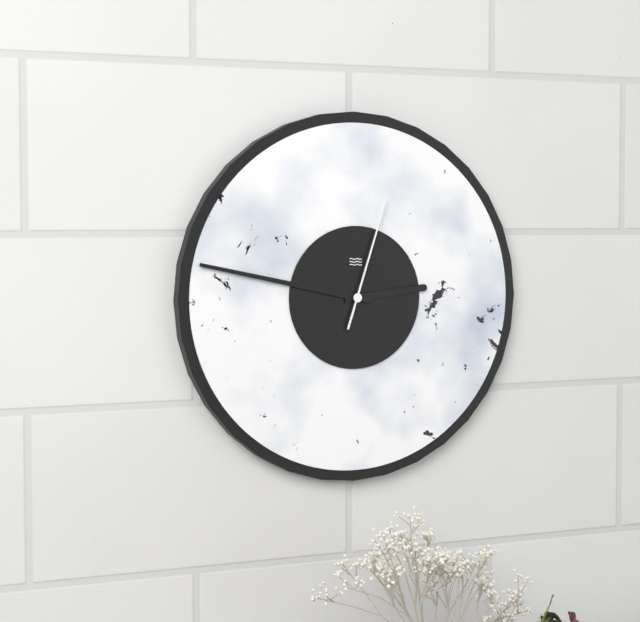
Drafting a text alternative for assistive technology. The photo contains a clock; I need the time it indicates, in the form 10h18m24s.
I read 2h47m03s
